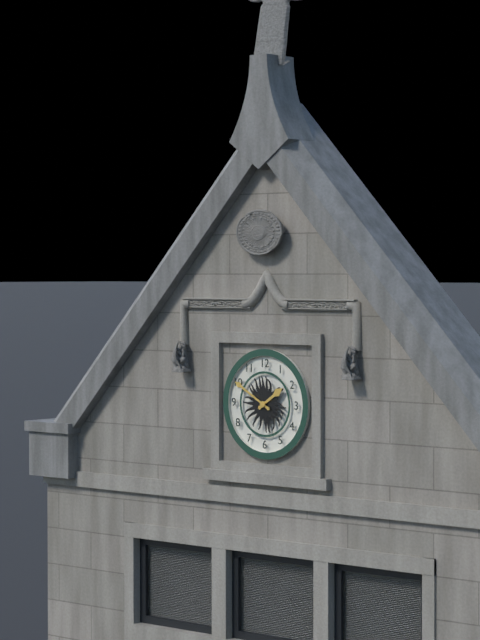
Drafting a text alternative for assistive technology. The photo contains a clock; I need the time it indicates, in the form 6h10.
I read 1h50
